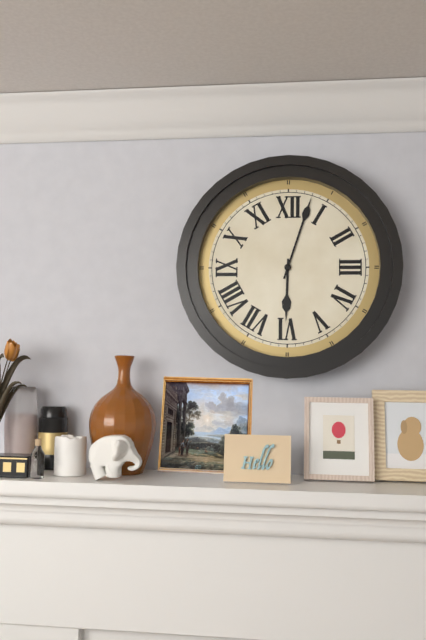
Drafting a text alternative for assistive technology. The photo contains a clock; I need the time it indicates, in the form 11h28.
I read 6h03
